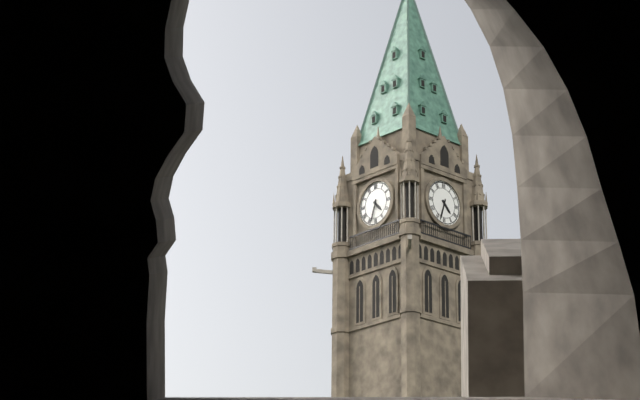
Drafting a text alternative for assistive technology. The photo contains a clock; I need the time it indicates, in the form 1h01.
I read 4h33
